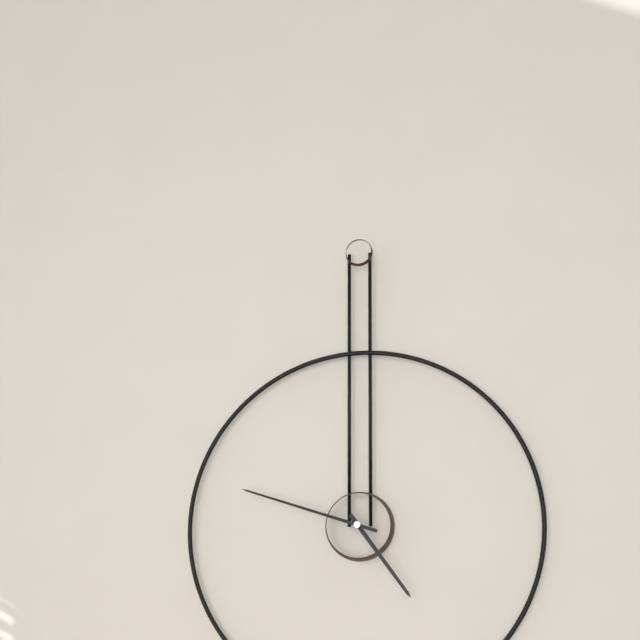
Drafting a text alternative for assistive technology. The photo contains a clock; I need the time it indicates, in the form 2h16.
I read 4h48
